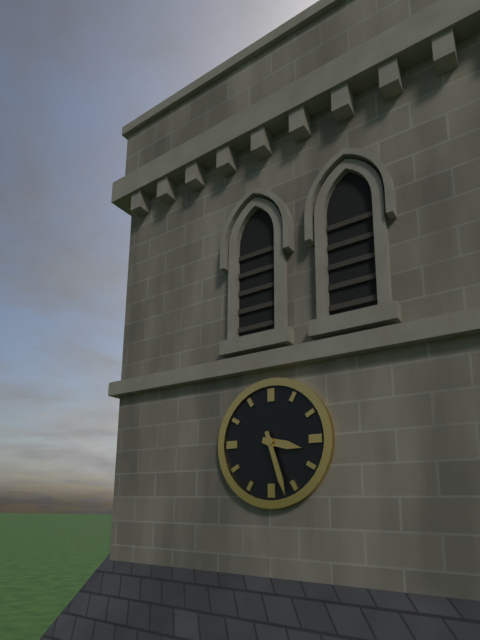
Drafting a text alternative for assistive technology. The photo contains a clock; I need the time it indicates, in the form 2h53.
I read 3h27
